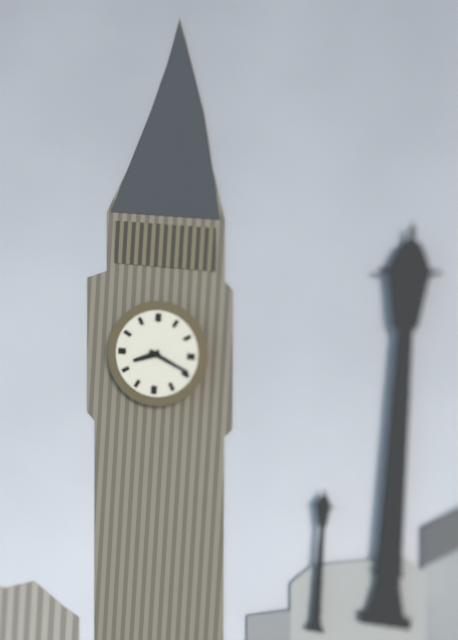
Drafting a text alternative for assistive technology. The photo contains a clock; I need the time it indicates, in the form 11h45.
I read 8h19
